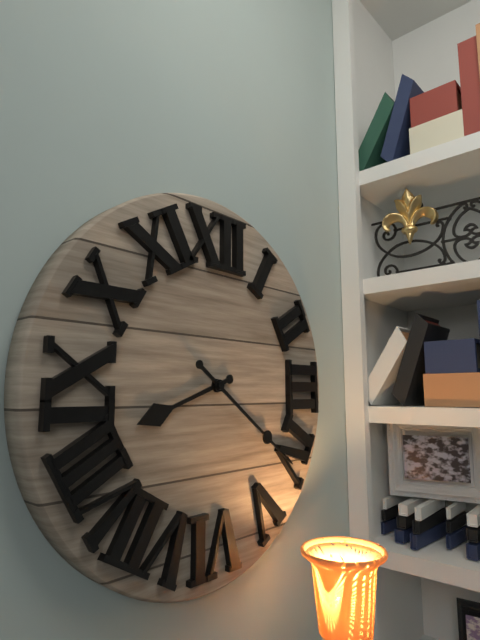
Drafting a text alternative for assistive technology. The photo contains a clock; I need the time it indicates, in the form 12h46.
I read 8h21
